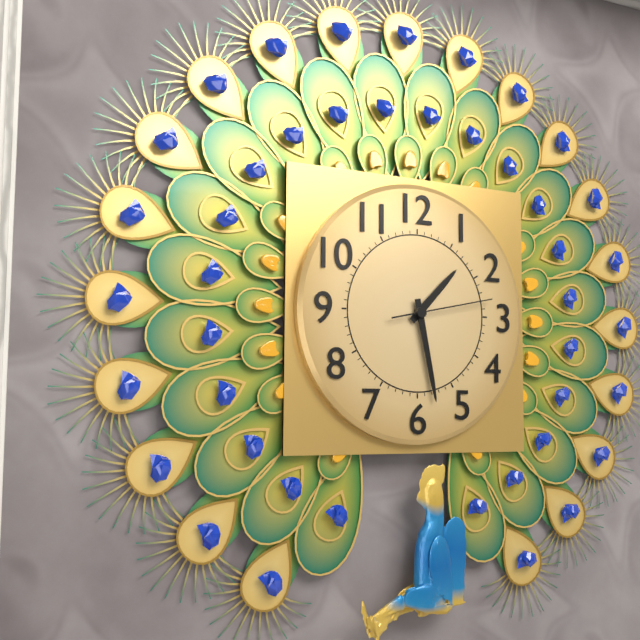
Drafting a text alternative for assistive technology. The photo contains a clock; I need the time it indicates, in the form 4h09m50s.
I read 1h28m13s
